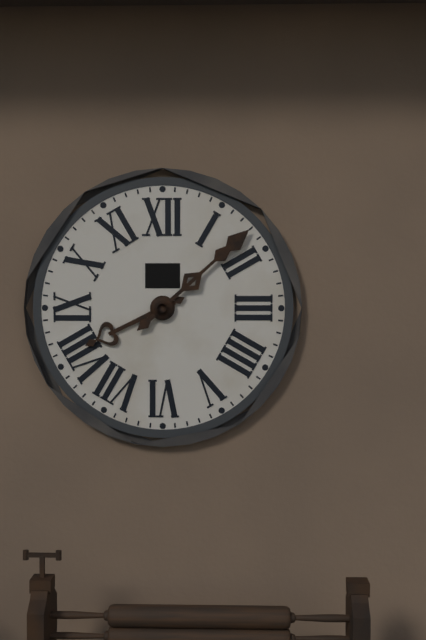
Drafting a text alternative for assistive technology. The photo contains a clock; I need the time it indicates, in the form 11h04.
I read 8h08
